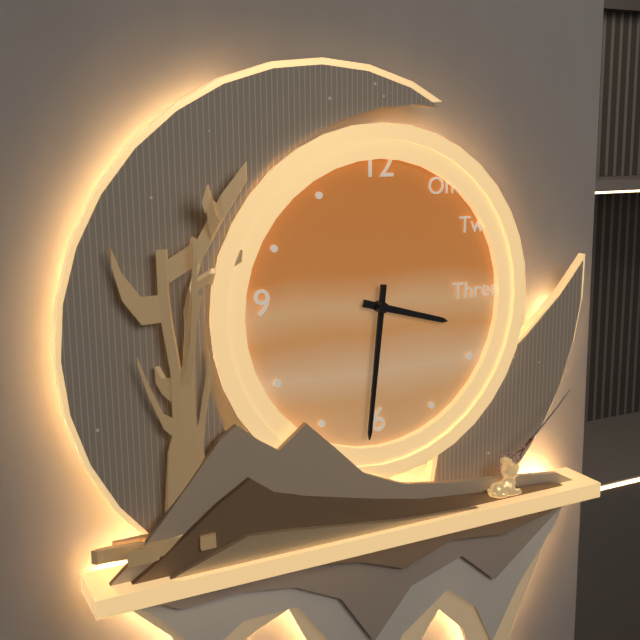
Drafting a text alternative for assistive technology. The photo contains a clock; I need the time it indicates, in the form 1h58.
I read 3h31
